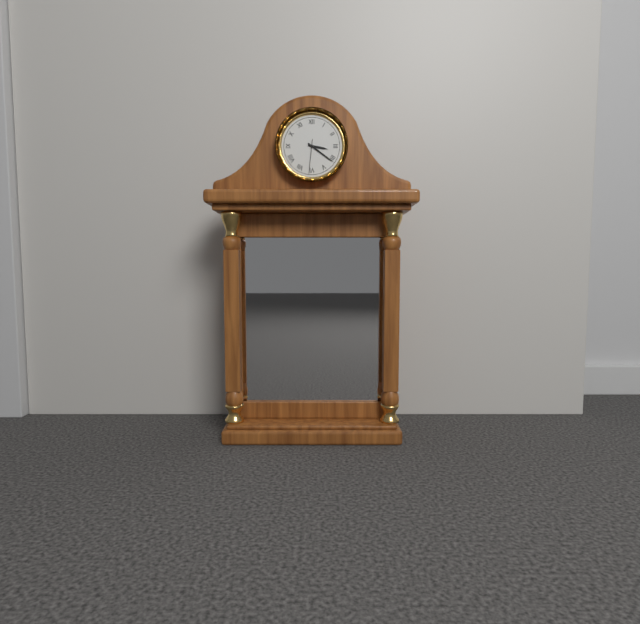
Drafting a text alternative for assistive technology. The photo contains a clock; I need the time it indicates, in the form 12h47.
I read 3h21
